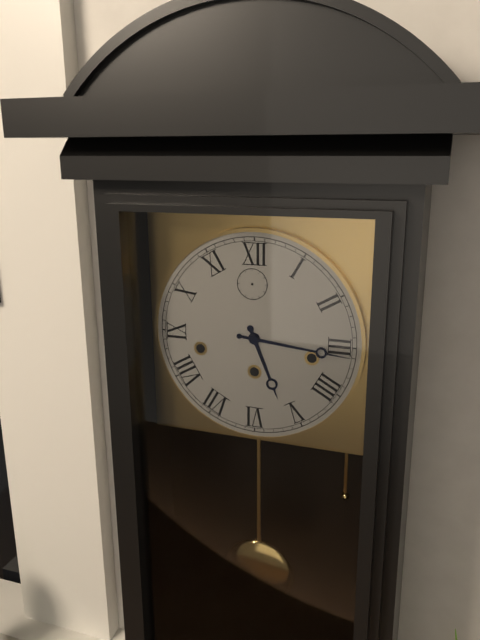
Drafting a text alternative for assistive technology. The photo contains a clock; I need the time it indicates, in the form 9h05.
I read 5h16
